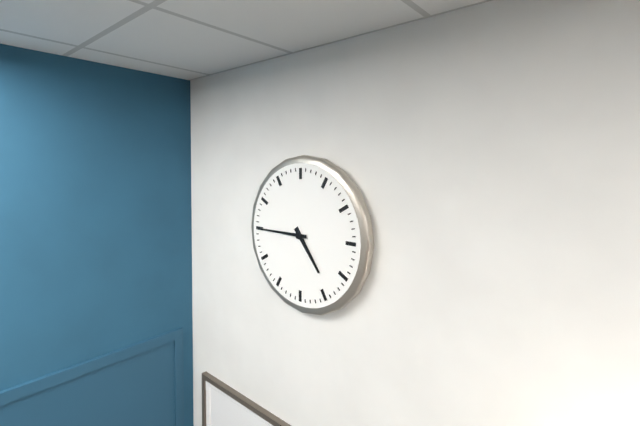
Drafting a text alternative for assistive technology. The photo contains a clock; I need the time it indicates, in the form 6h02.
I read 4h45
